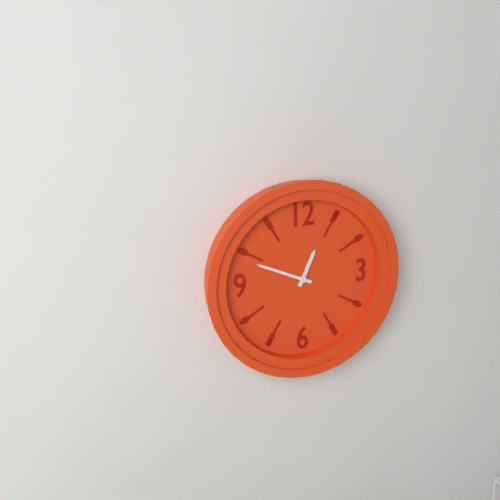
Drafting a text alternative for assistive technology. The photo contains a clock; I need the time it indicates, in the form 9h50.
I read 12h49
